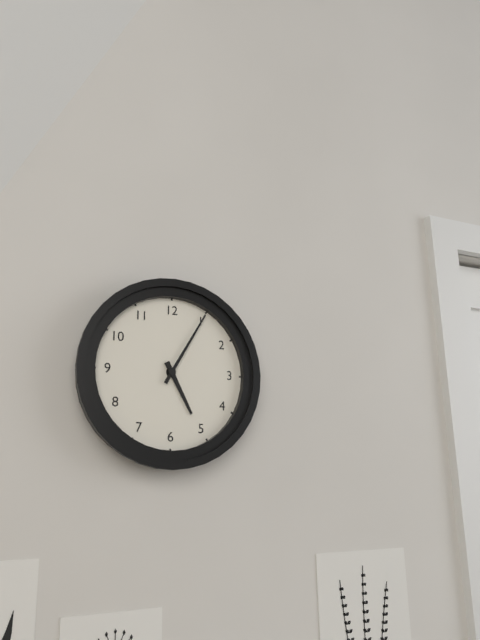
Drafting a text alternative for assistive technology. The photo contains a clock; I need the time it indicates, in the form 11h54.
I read 5h05
